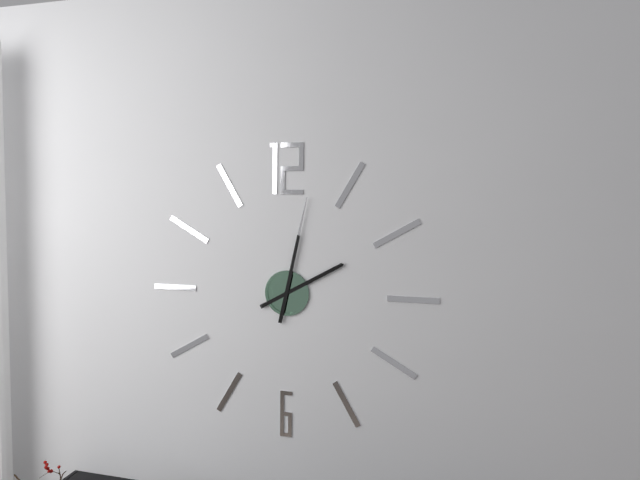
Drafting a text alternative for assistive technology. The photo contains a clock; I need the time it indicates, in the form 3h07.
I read 2h02
